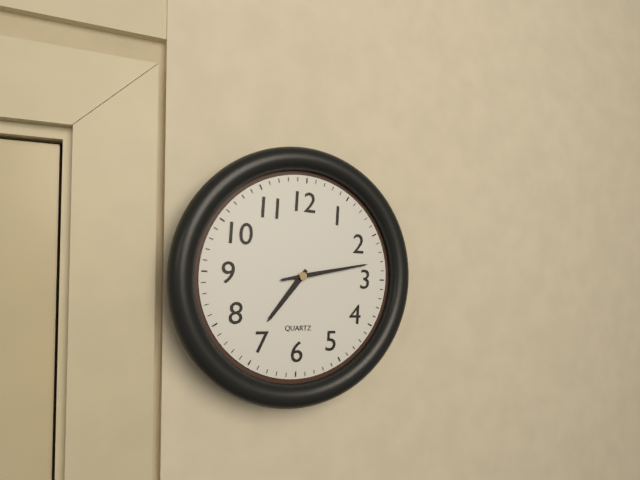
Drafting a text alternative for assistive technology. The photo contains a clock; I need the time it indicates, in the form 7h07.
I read 7h13
